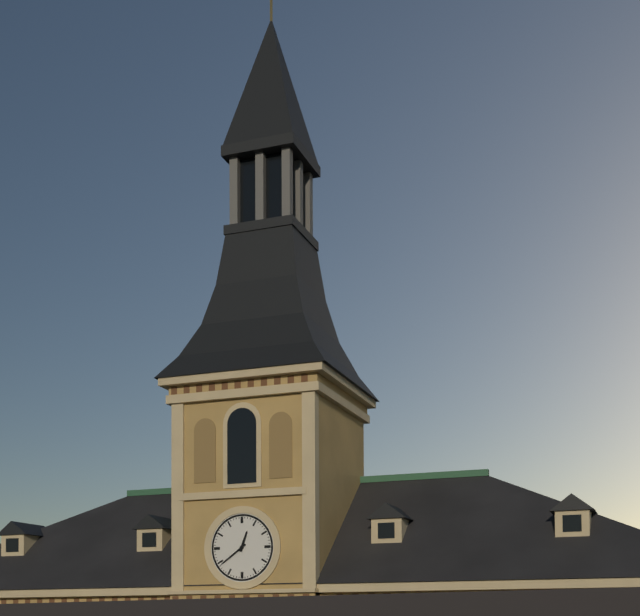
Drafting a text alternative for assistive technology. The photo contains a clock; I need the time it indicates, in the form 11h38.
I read 12h39
